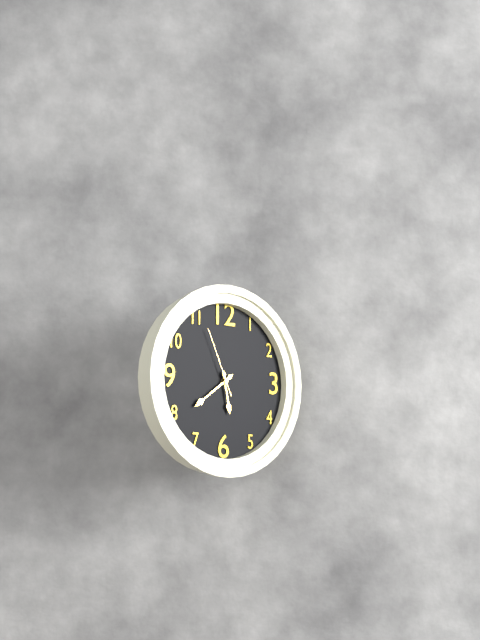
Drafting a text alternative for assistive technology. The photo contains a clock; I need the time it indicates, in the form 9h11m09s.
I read 5h39m56s
